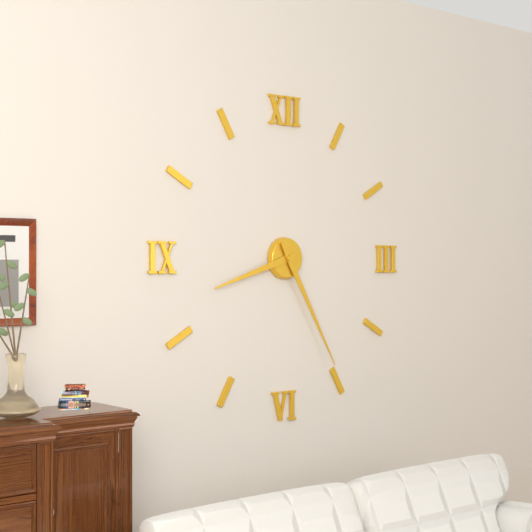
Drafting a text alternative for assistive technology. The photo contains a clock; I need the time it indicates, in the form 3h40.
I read 8h25
